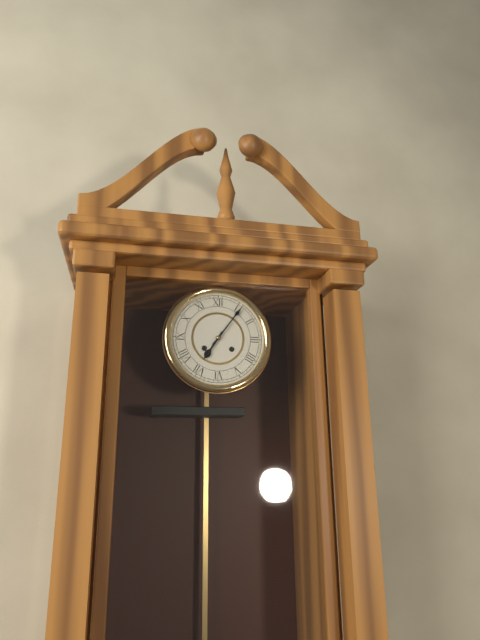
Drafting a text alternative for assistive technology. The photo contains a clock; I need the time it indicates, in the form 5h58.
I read 7h06
